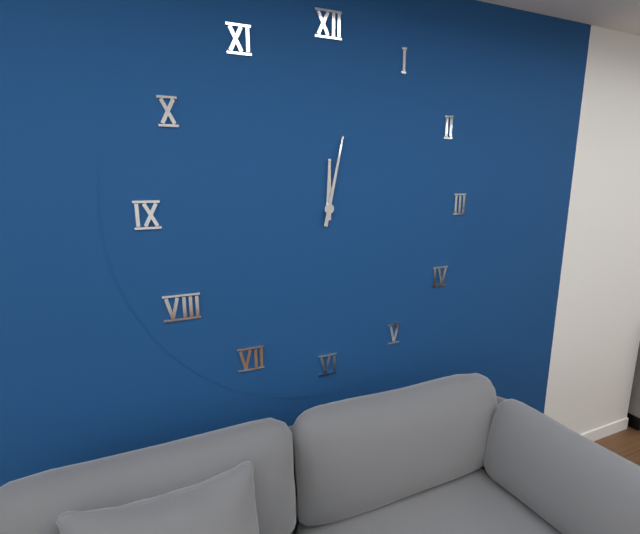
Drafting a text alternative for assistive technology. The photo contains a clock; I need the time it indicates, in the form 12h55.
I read 12h02
